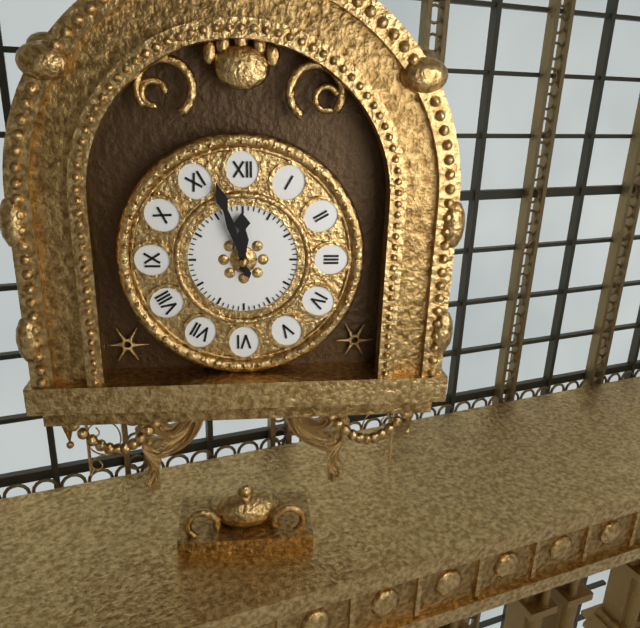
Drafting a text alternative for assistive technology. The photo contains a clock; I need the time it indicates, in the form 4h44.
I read 11h57
